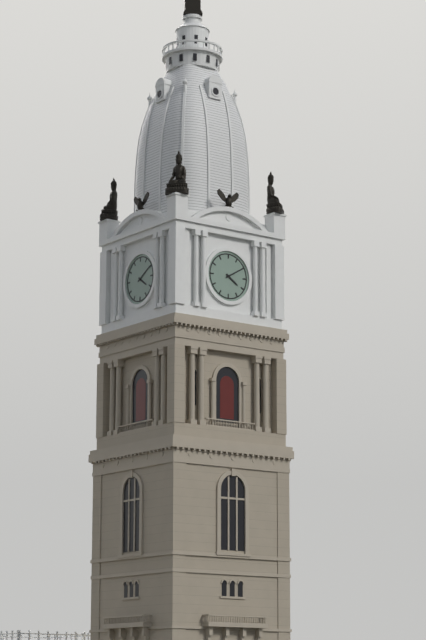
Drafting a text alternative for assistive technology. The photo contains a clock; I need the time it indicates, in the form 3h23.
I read 4h10
